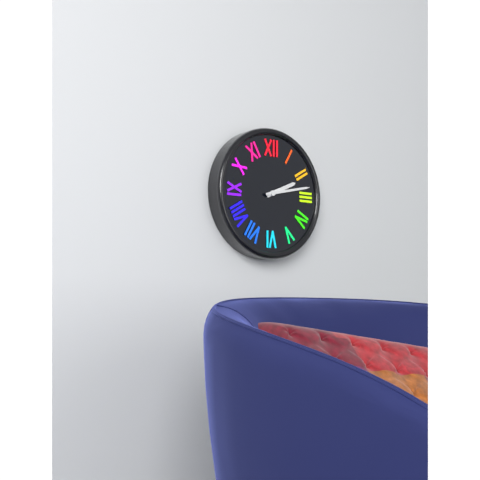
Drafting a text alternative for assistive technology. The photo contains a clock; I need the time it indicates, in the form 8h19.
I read 2h13
